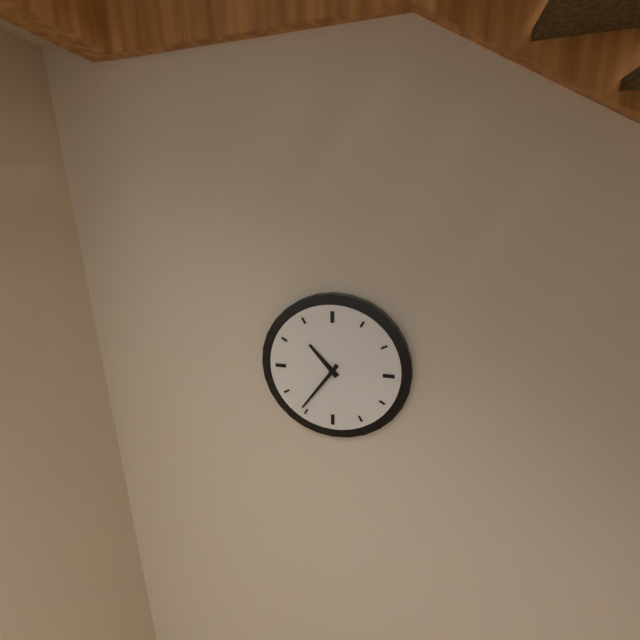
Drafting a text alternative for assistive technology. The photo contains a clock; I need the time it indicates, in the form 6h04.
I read 10h36
